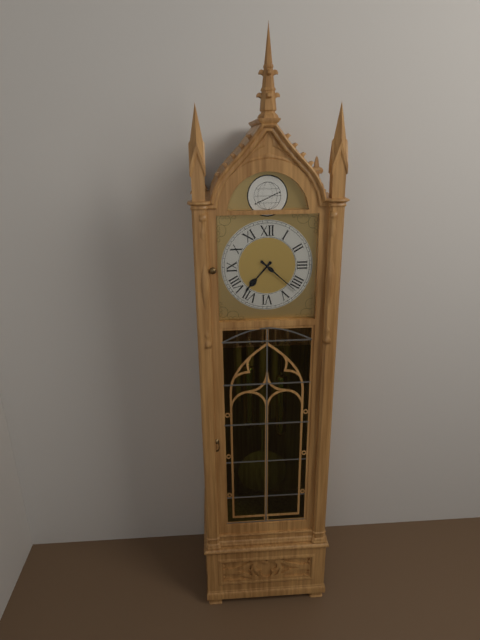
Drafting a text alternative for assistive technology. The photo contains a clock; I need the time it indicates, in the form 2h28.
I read 7h22
